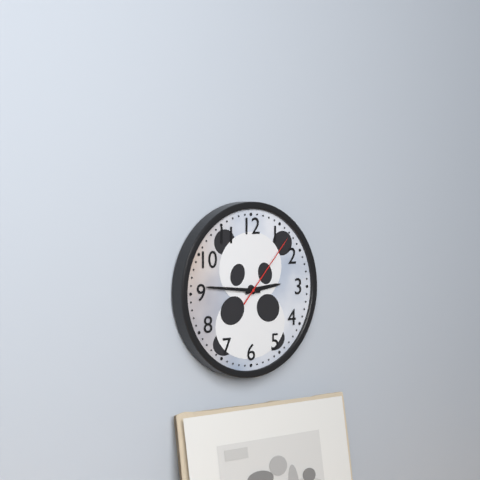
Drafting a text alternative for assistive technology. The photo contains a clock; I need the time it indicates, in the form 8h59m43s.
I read 2h46m07s
